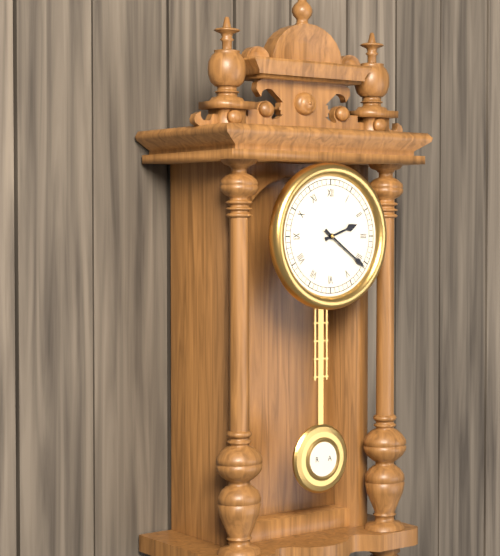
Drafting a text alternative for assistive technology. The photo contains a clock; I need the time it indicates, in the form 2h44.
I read 2h21
